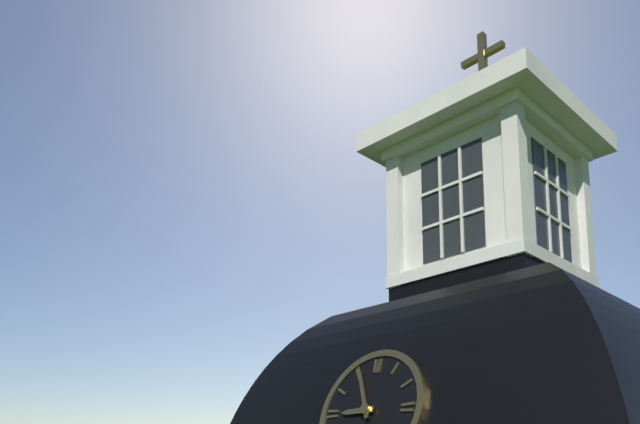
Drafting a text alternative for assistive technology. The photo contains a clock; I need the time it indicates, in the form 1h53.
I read 8h56
